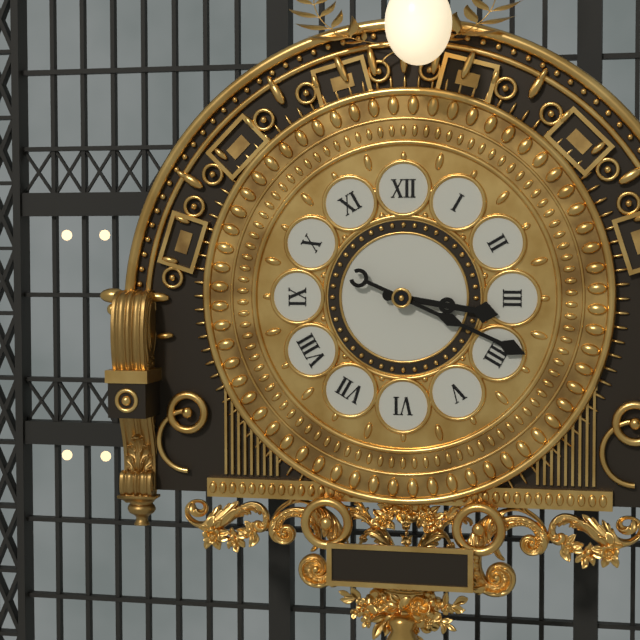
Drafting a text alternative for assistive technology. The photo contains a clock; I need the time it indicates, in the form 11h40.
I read 3h19
